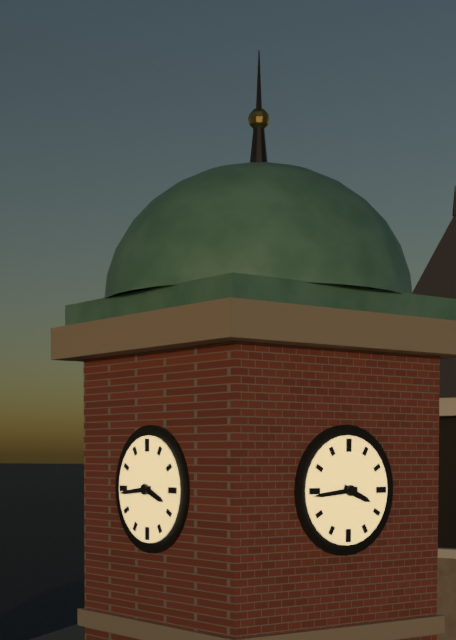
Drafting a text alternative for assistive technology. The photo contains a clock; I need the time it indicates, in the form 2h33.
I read 3h44
